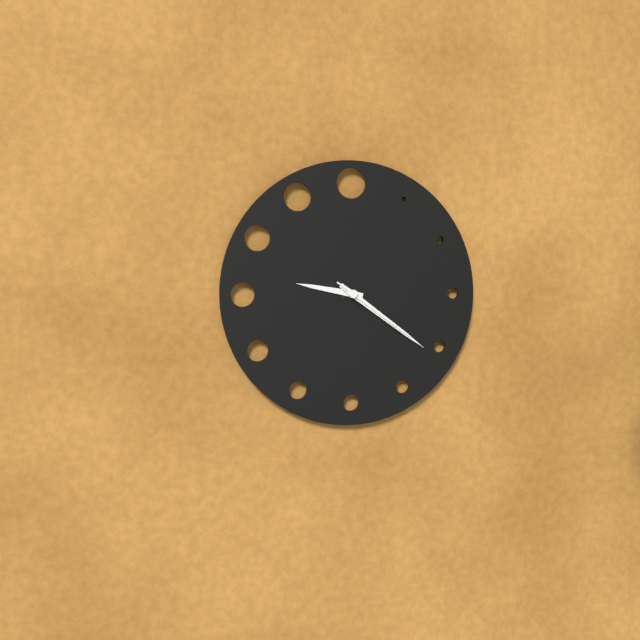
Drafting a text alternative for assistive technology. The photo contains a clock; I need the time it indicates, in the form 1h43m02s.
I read 9h21m21s
